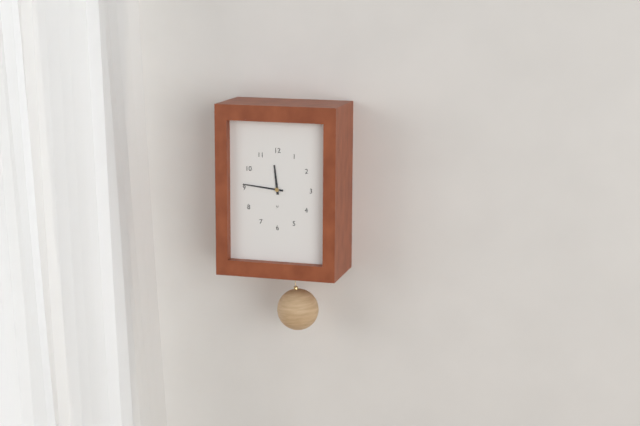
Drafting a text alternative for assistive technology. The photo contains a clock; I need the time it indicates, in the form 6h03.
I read 11h46
